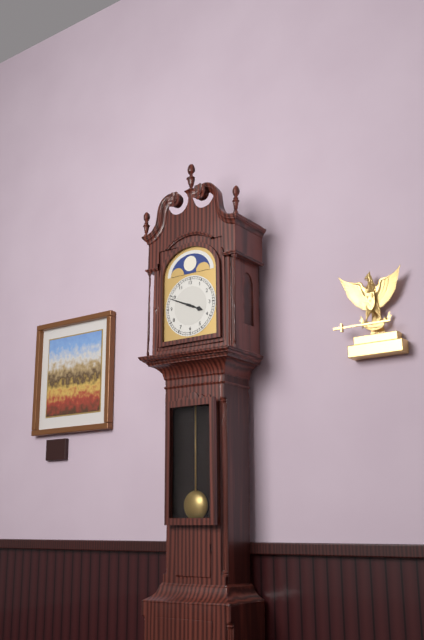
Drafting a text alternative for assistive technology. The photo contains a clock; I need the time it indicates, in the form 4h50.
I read 3h49
